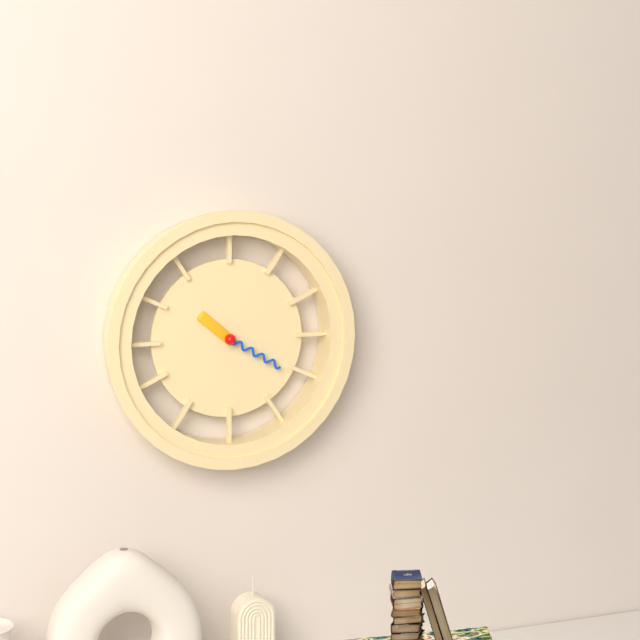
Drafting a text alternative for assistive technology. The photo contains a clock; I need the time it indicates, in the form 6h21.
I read 10h20
